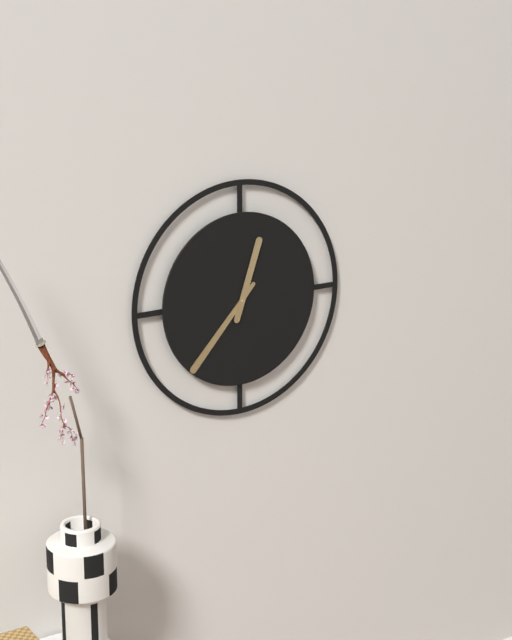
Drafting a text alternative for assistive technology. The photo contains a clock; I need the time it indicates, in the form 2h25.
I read 12h37
